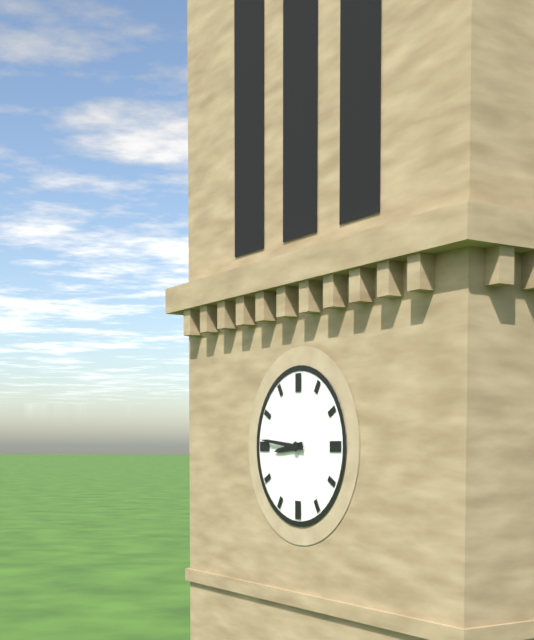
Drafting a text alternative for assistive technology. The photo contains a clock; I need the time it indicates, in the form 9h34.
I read 8h46
